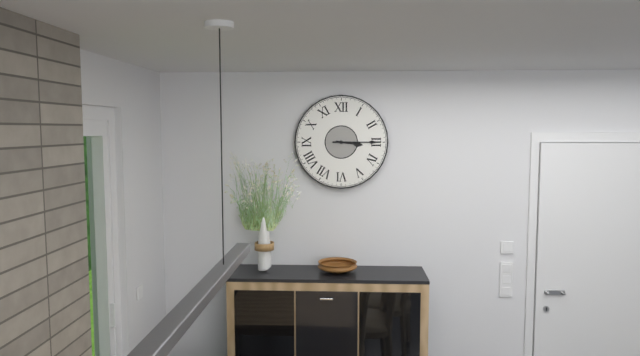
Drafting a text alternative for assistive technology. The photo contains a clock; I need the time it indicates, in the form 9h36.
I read 3h15
